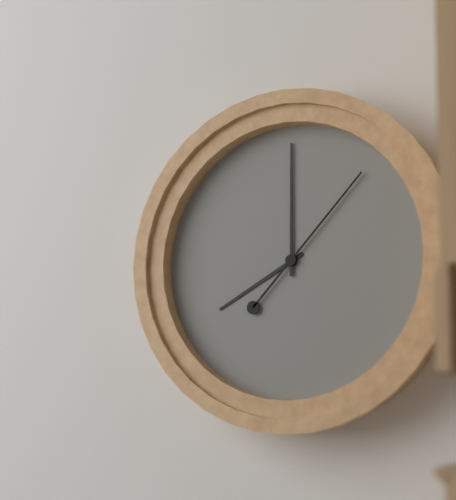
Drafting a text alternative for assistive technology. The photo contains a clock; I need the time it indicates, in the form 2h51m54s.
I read 8h00m07s
